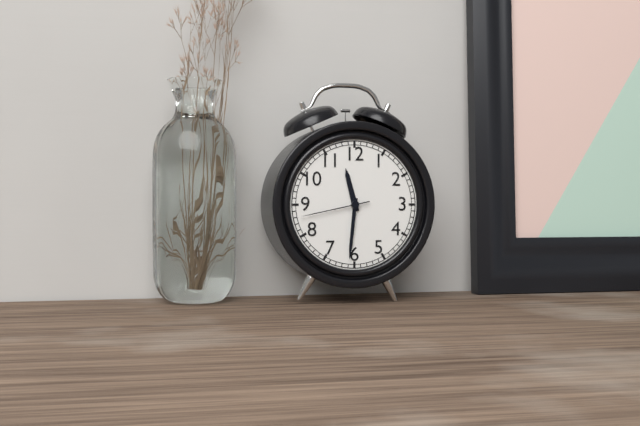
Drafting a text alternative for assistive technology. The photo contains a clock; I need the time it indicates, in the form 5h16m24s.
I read 11h31m43s
